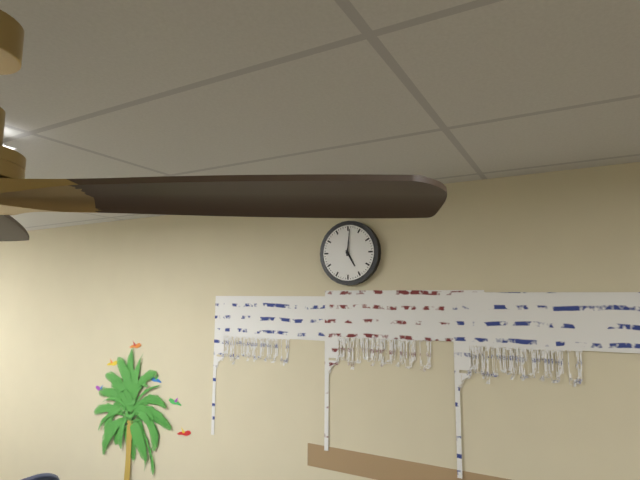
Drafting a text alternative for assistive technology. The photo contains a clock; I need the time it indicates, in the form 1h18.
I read 5h01
